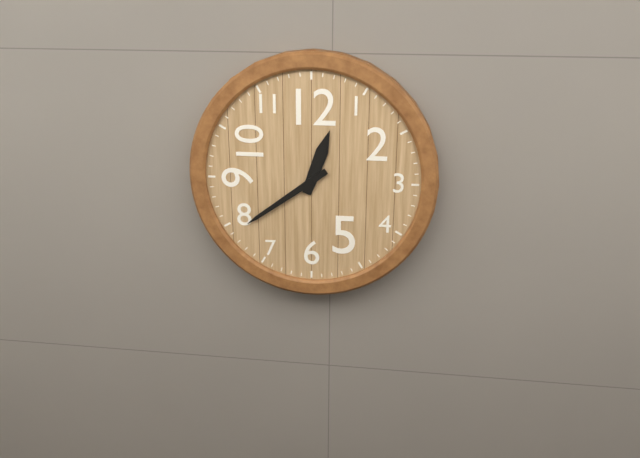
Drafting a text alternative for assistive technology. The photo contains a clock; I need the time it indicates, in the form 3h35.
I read 12h39
